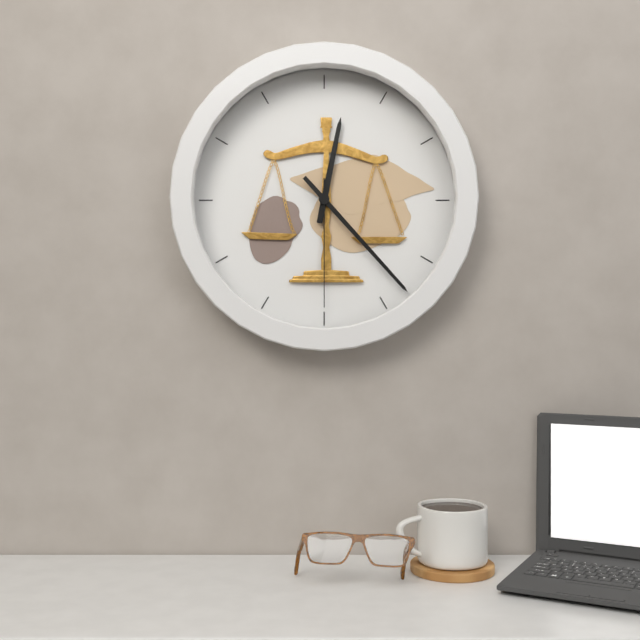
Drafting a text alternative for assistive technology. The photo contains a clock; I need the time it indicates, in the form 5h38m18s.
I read 12h23m30s
